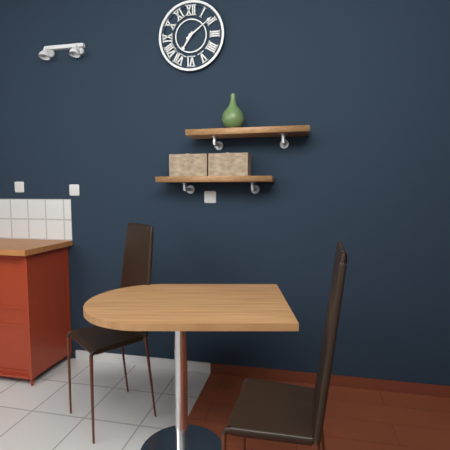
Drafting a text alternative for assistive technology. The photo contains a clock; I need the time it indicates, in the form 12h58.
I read 7h09
